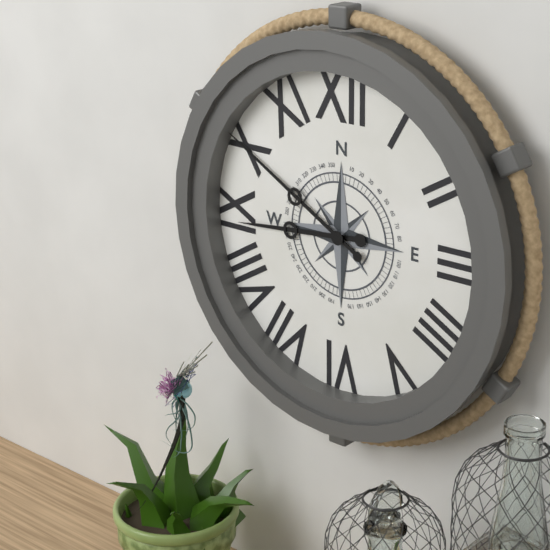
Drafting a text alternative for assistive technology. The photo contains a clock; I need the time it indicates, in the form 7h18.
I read 8h50
